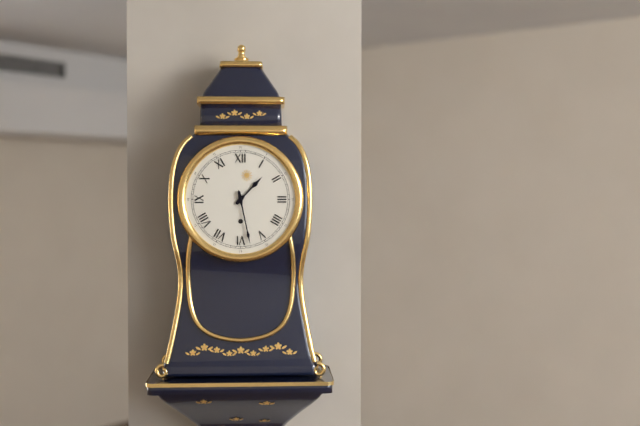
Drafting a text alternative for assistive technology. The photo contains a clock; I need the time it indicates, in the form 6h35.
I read 1h28
